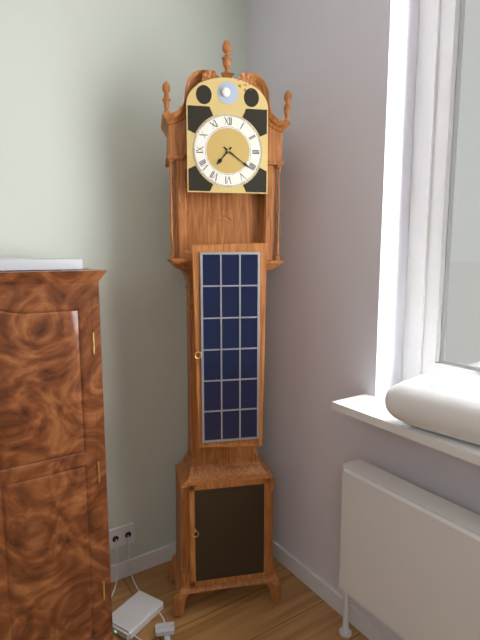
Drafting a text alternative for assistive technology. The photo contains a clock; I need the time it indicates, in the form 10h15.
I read 7h21
